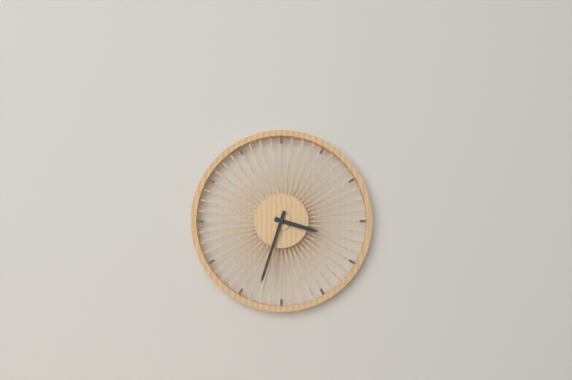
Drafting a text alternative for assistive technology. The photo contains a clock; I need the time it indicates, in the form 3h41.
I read 3h33
